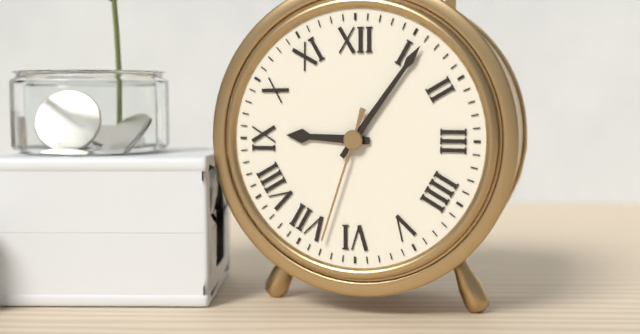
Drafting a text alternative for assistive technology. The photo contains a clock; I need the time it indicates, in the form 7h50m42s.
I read 9h06m33s
